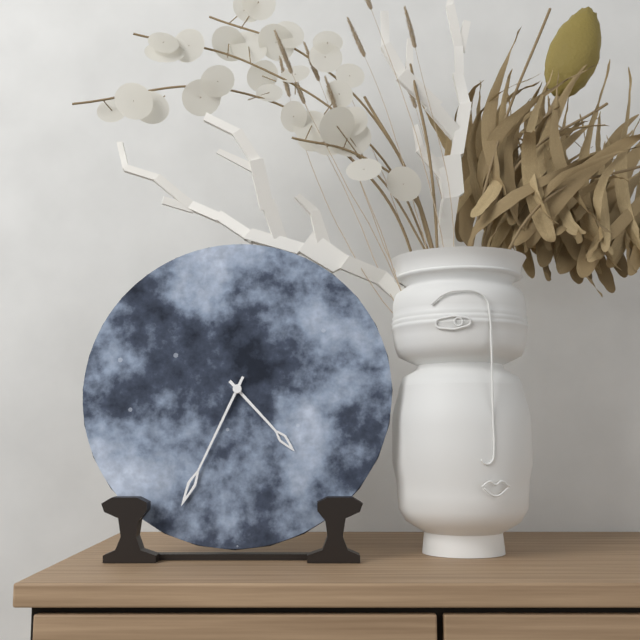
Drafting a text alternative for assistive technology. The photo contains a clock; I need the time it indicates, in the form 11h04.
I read 4h34
